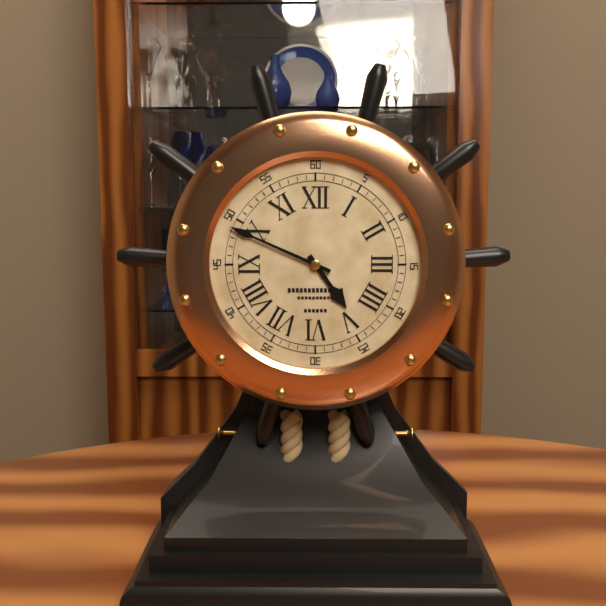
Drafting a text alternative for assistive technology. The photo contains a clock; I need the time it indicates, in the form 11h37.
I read 4h49
